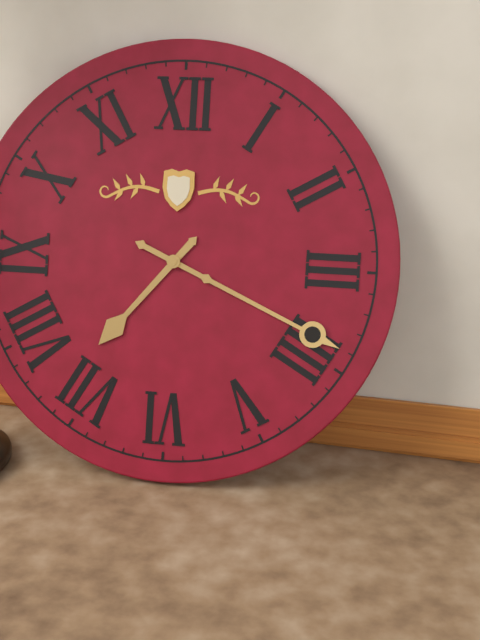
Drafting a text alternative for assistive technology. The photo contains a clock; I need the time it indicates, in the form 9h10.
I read 7h19
